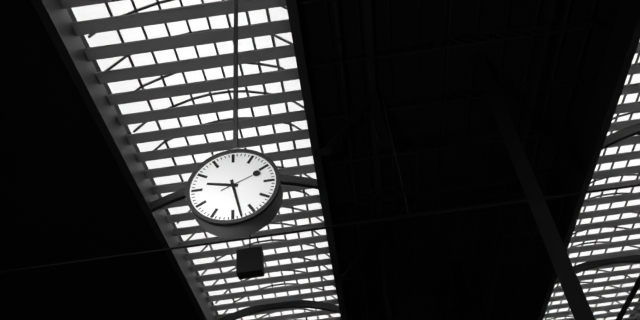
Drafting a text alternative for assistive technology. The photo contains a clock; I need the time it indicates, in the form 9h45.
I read 9h28
